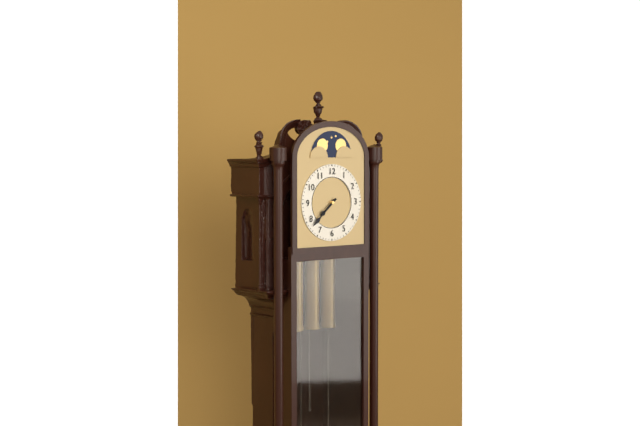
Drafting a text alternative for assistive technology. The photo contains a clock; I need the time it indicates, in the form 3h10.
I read 7h38
